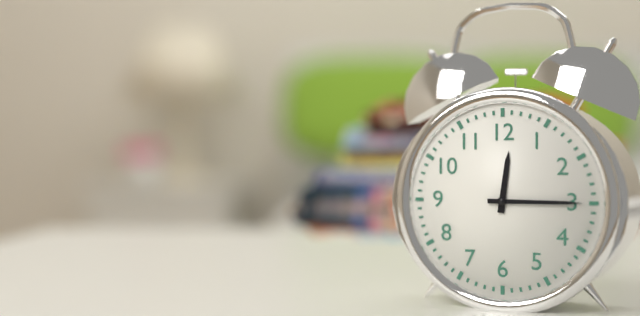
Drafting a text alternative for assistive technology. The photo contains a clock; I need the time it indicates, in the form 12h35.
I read 12h15
